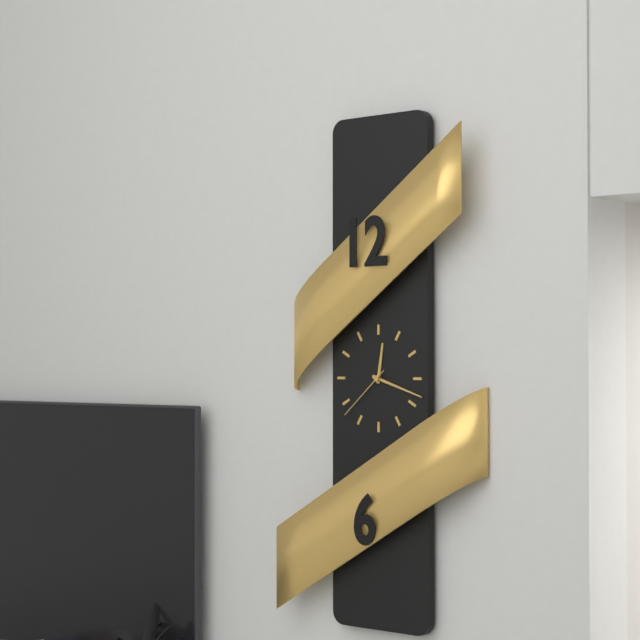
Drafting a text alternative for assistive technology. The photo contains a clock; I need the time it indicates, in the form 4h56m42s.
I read 12h18m38s
